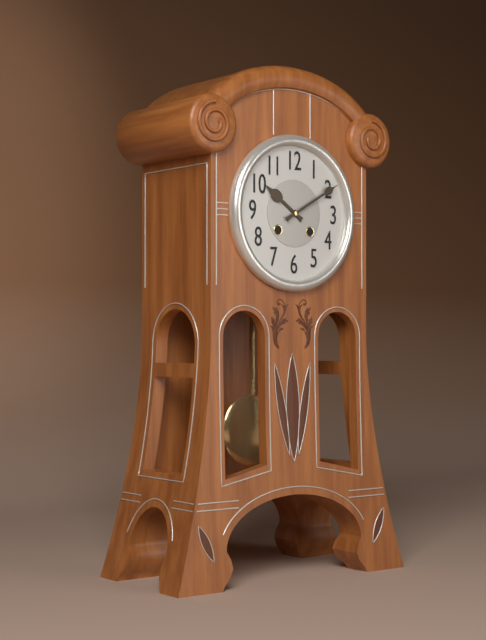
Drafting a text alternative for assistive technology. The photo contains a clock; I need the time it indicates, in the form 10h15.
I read 10h10
